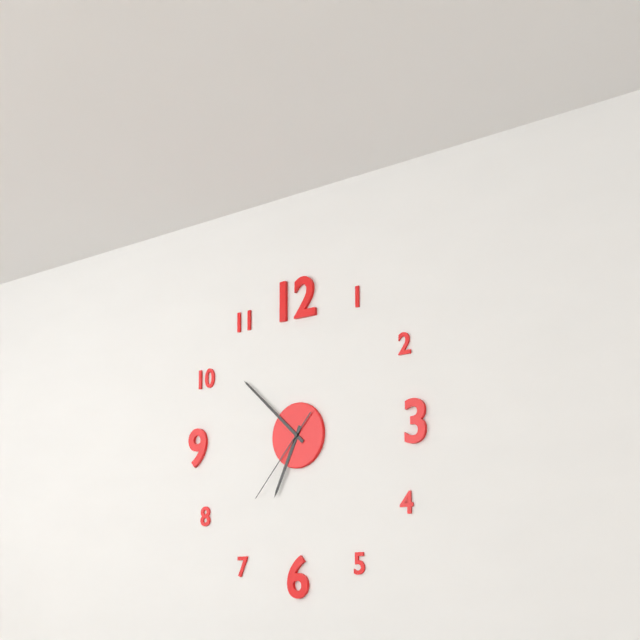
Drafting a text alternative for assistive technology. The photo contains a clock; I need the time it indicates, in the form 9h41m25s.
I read 6h52m37s
